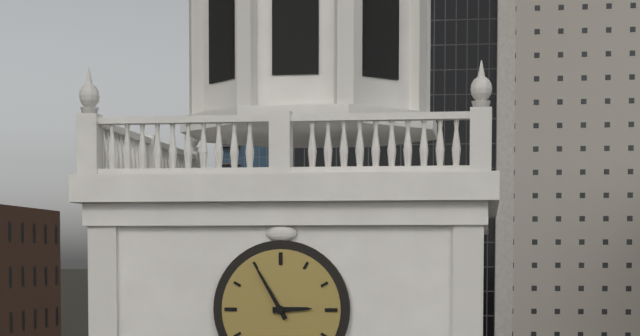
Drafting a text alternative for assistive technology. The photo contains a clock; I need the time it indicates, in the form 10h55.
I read 2h55
